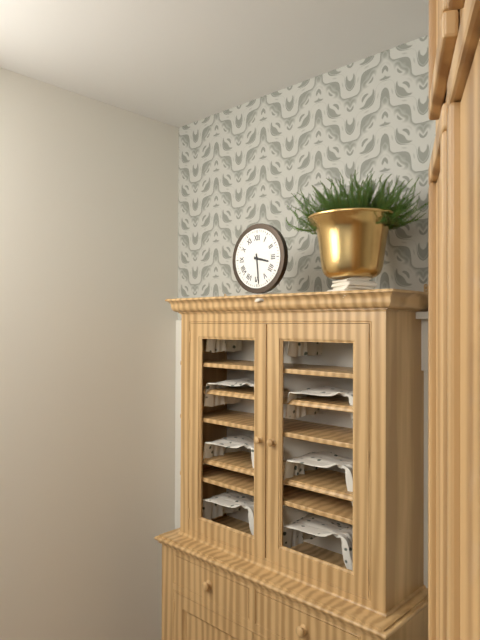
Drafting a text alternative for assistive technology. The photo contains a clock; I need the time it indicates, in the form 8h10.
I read 3h29
